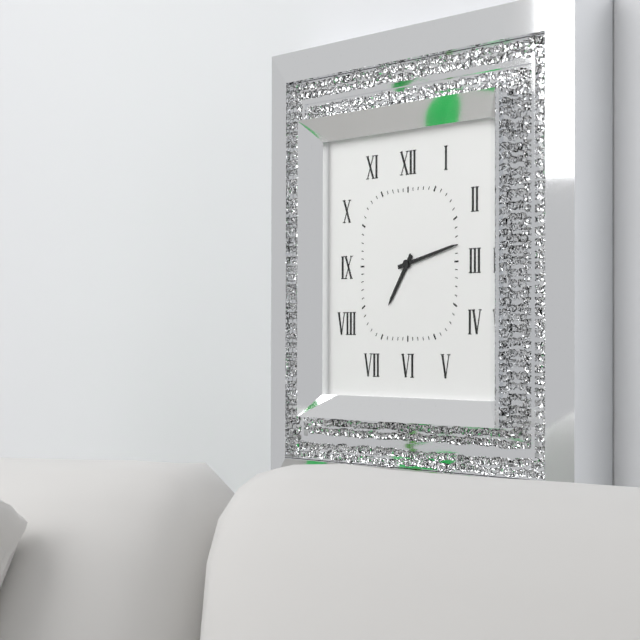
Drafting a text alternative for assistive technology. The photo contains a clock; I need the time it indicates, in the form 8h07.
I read 7h13
